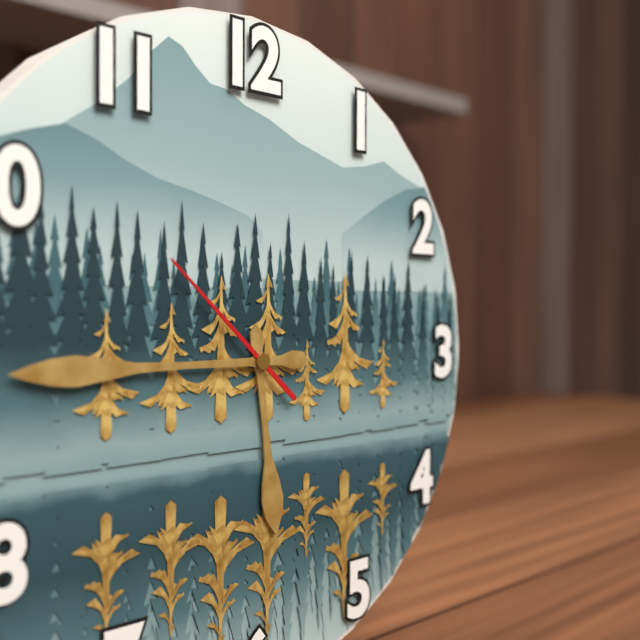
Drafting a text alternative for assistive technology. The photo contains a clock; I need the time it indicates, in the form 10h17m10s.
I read 5h45m52s
